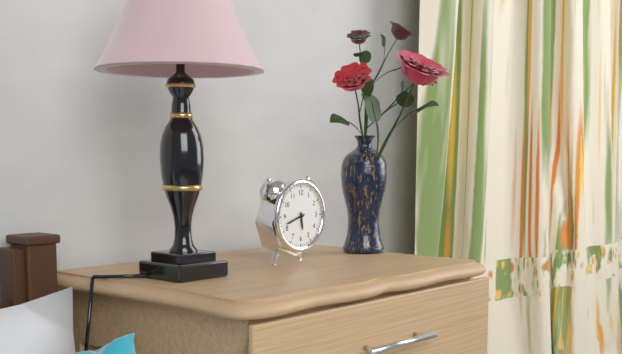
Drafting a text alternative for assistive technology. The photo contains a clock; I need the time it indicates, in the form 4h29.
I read 5h42
